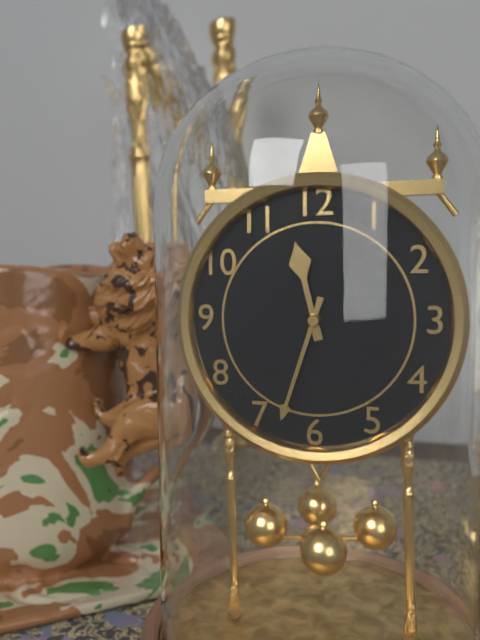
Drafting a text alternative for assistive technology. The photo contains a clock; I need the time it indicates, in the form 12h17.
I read 11h33
